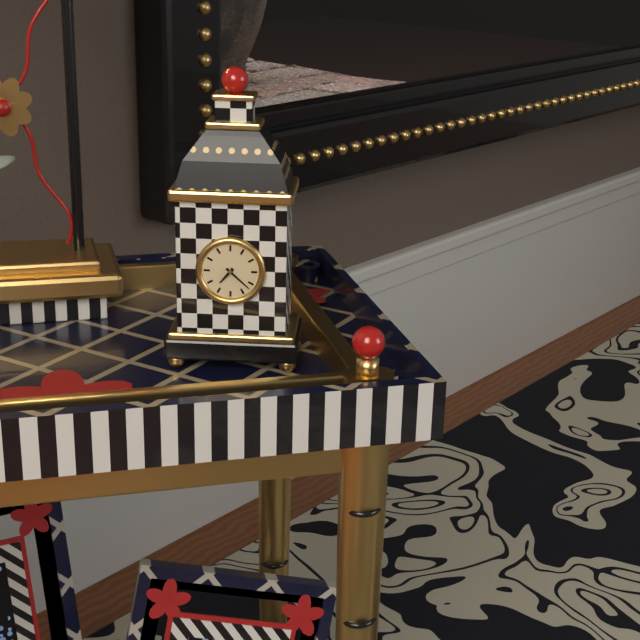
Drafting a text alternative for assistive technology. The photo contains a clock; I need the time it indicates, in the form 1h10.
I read 7h22
